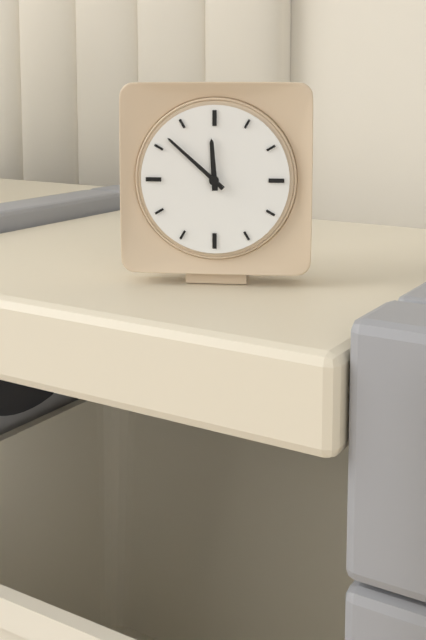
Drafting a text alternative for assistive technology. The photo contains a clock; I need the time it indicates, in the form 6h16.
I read 11h52
